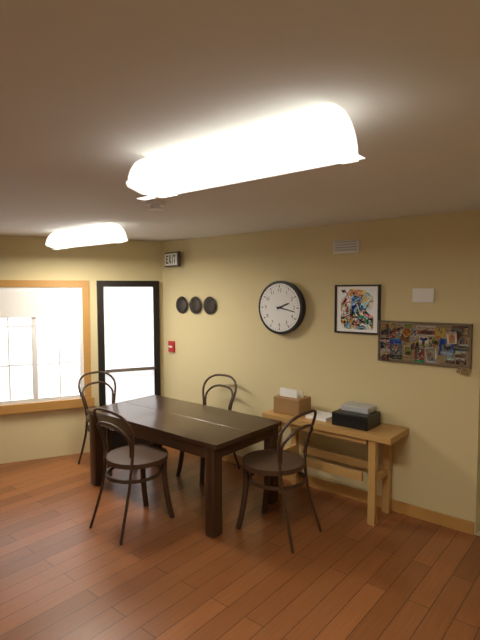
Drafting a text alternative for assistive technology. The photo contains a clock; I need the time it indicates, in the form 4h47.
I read 2h17
